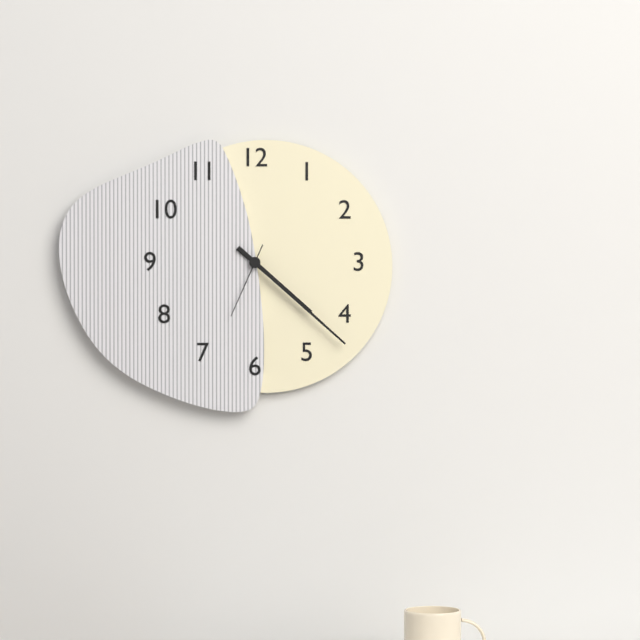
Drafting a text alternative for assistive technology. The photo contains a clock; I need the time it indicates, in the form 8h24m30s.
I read 4h22m34s
